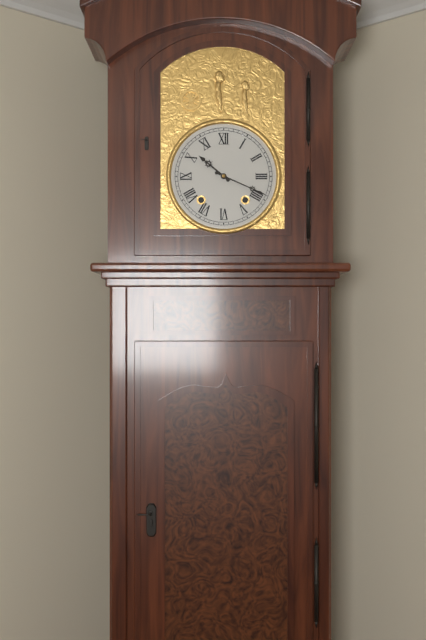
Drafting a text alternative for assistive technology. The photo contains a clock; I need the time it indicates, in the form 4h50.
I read 10h19
